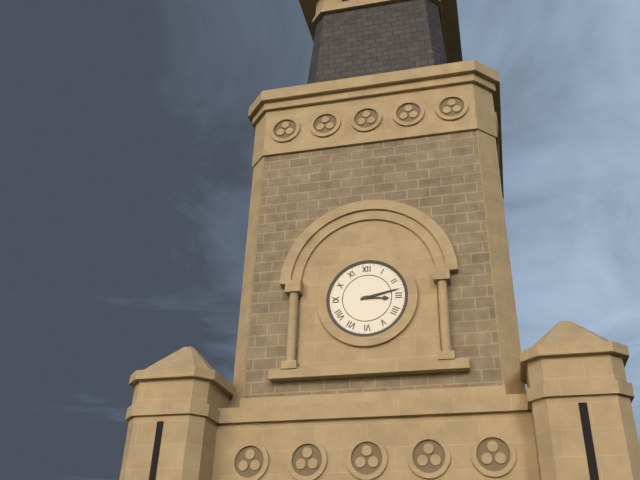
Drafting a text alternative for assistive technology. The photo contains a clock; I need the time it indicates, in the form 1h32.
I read 3h13
